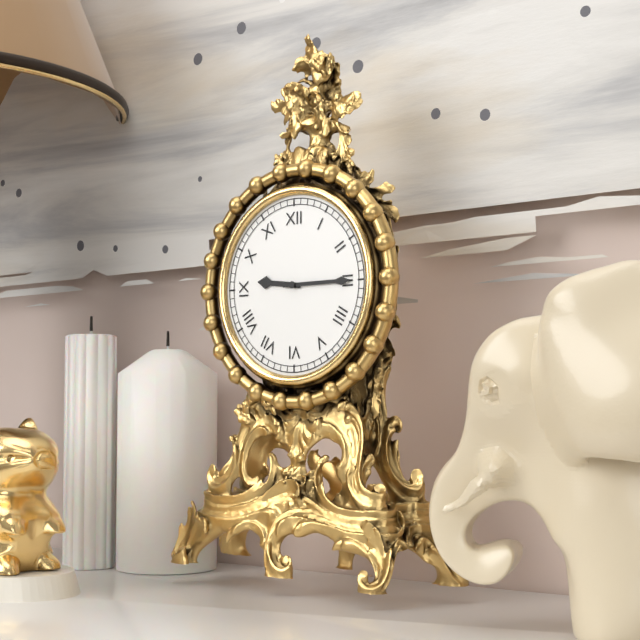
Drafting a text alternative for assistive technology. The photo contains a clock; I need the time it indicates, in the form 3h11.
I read 9h15
